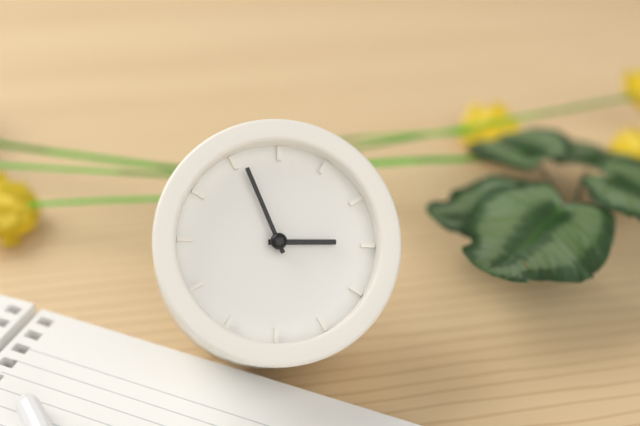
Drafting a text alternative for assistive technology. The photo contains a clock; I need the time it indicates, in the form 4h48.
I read 2h56
